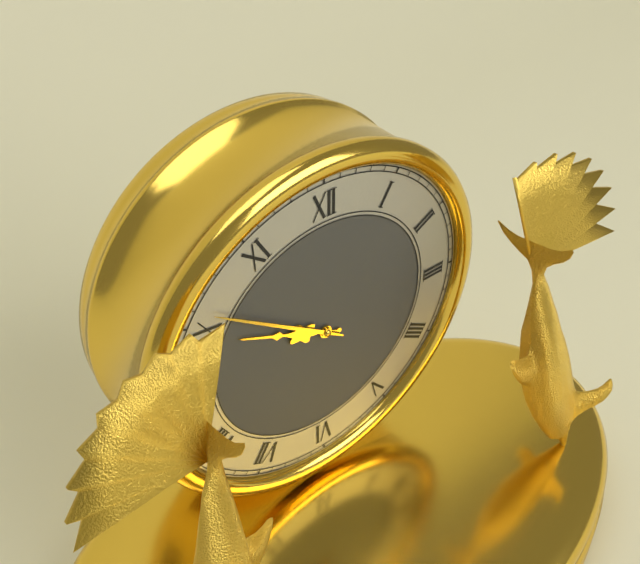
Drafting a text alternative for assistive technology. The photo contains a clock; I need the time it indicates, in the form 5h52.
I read 9h51
